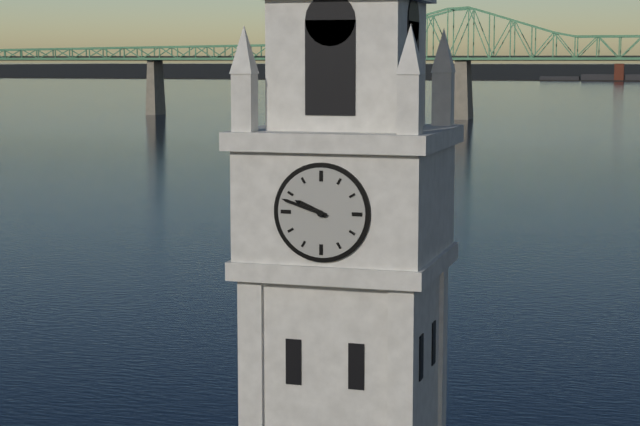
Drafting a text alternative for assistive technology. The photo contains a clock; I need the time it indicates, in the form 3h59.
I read 9h48
